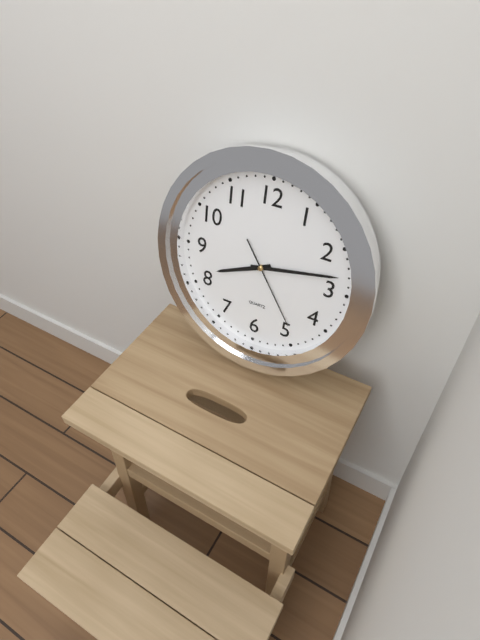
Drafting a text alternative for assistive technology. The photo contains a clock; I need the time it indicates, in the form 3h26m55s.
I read 8h13m24s
